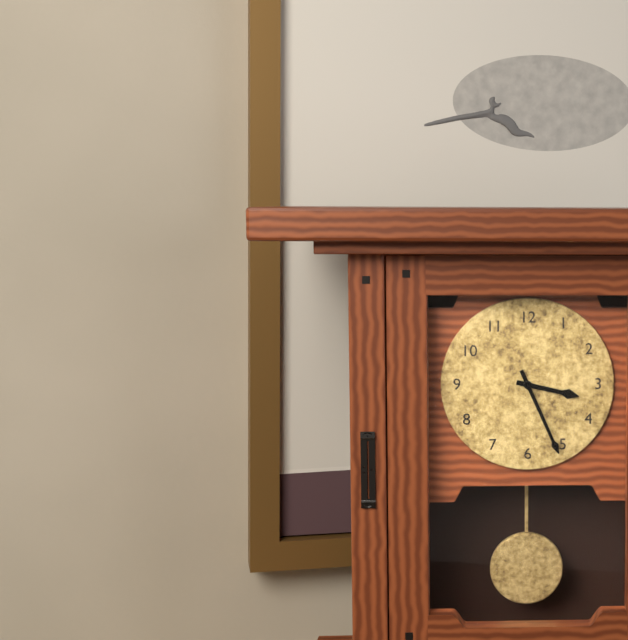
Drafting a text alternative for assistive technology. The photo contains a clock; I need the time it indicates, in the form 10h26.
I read 3h26
